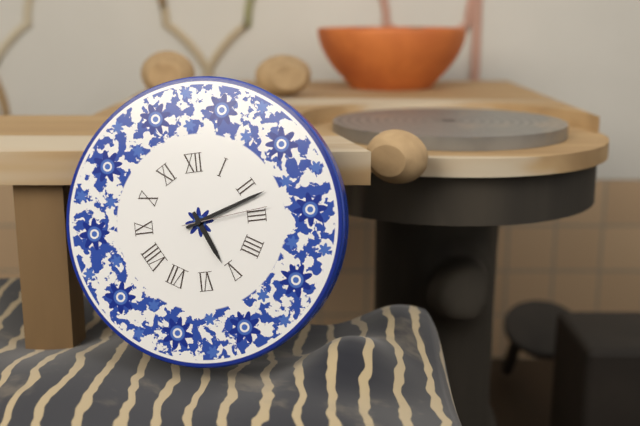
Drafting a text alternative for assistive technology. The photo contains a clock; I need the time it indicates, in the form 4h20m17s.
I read 5h12m14s
